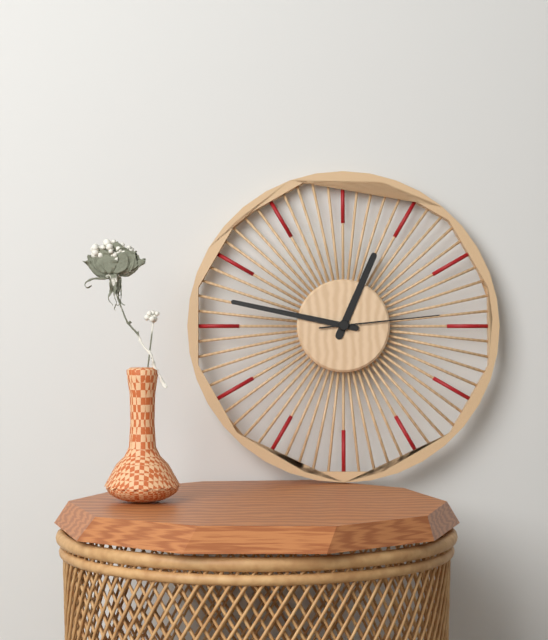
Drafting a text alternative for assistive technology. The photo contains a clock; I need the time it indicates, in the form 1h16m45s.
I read 12h47m14s
